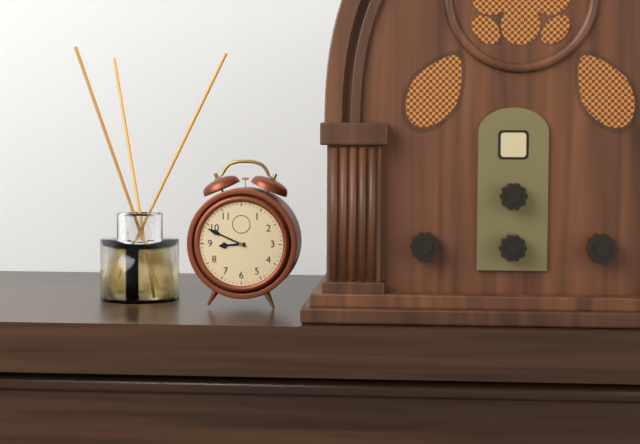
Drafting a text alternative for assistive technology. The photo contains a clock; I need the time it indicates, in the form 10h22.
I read 8h49
